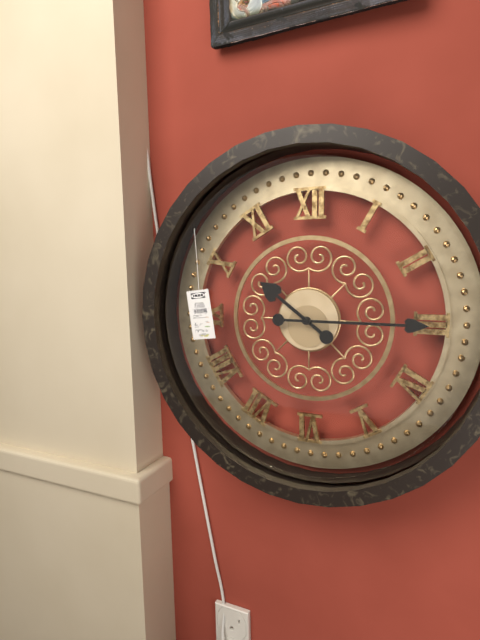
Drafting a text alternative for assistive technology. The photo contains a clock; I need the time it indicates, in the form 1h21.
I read 10h15
